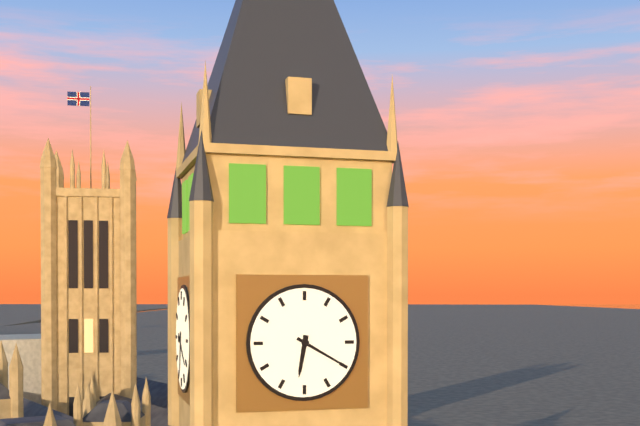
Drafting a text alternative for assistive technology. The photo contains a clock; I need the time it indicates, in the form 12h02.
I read 6h20
